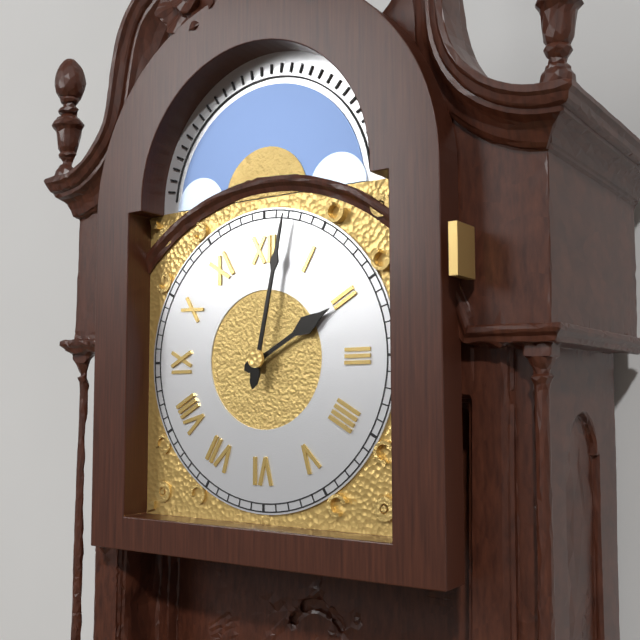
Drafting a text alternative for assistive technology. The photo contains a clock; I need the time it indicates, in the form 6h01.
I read 2h02
